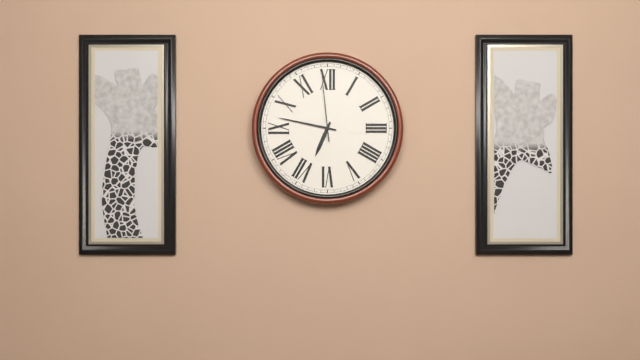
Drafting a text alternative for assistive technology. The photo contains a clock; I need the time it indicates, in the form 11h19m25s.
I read 6h47m59s
